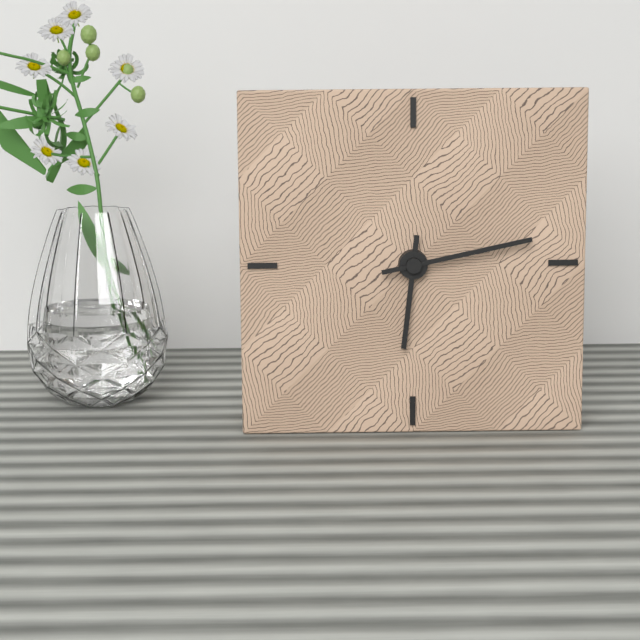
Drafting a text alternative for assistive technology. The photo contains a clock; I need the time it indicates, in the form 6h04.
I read 6h13
